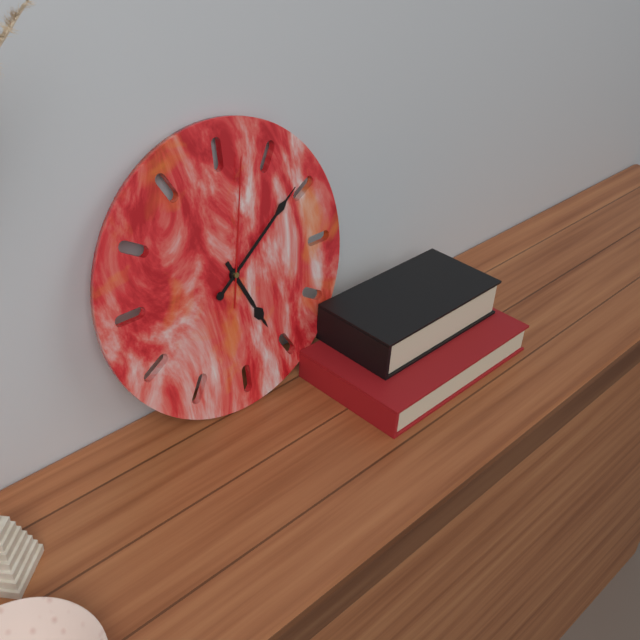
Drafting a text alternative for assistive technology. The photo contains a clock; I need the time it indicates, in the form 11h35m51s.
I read 5h09m02s
